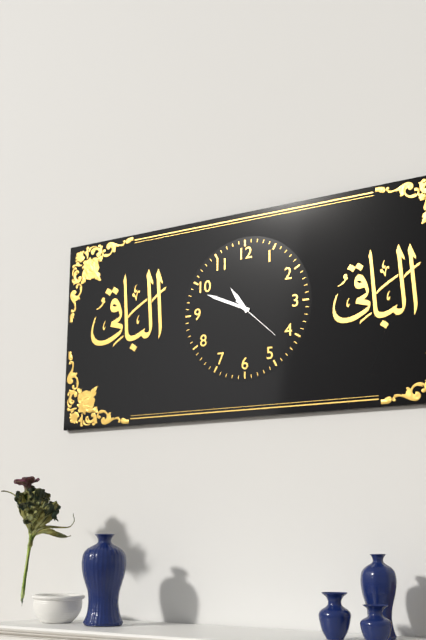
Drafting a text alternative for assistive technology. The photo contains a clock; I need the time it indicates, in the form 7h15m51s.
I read 10h49m22s
